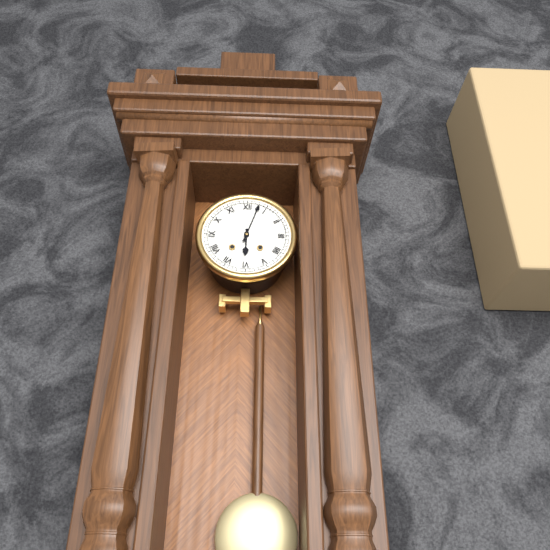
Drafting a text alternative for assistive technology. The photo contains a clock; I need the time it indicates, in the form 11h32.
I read 6h03
